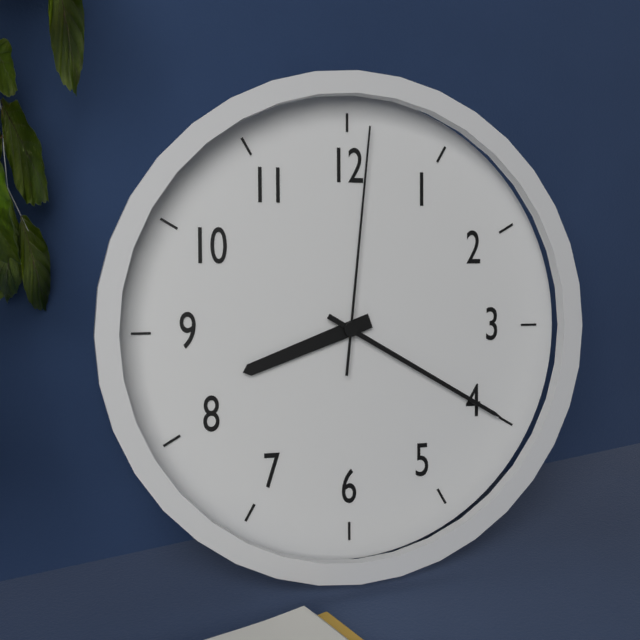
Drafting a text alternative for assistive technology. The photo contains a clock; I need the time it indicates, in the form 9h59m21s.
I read 8h20m01s
